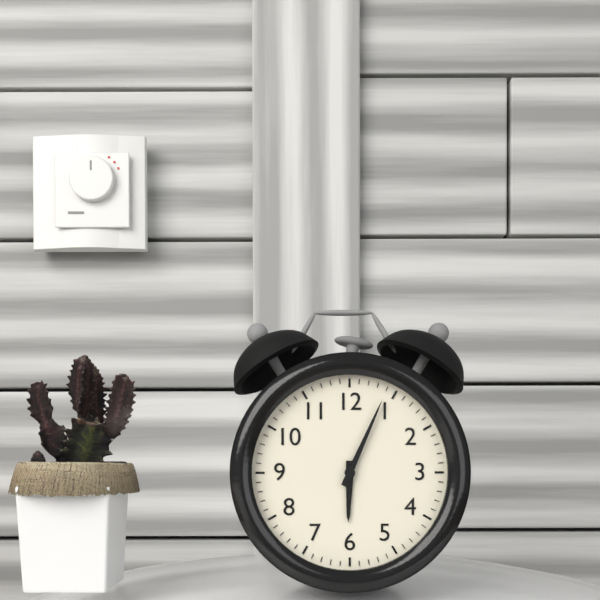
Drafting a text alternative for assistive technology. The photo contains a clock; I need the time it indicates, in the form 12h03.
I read 6h04
